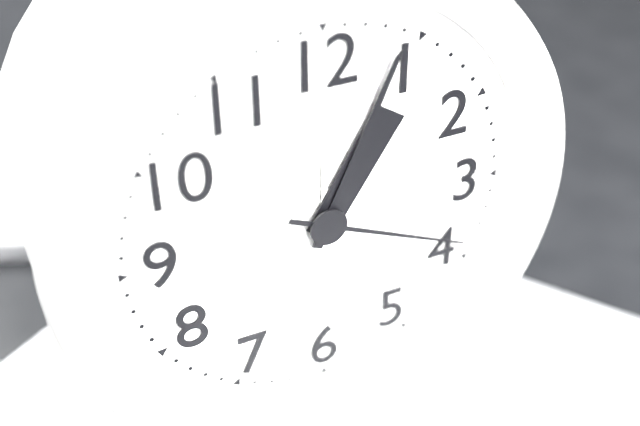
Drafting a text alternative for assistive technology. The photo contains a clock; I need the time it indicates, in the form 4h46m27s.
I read 1h04m19s
